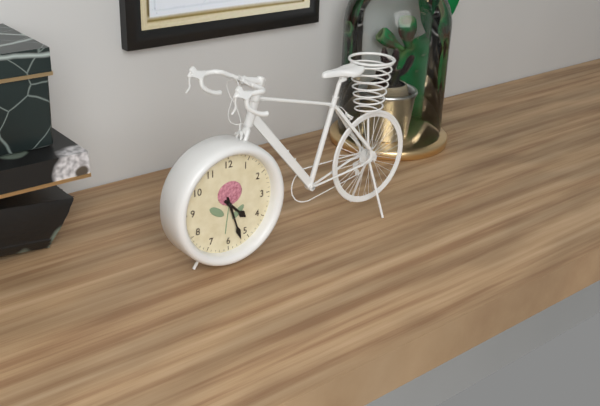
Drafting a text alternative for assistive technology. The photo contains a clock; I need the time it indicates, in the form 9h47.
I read 4h27
